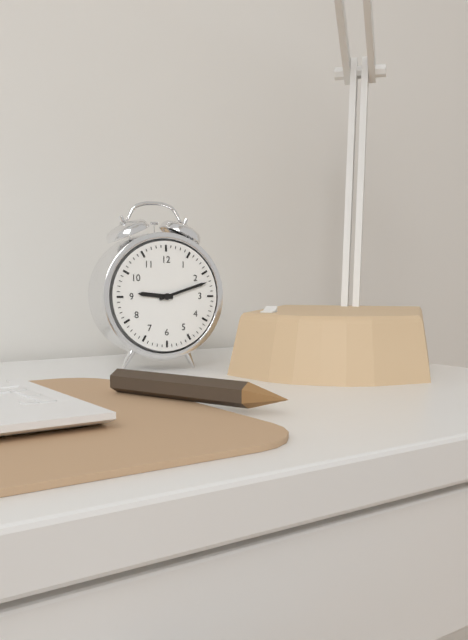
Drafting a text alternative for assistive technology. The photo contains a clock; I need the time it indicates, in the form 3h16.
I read 9h12
